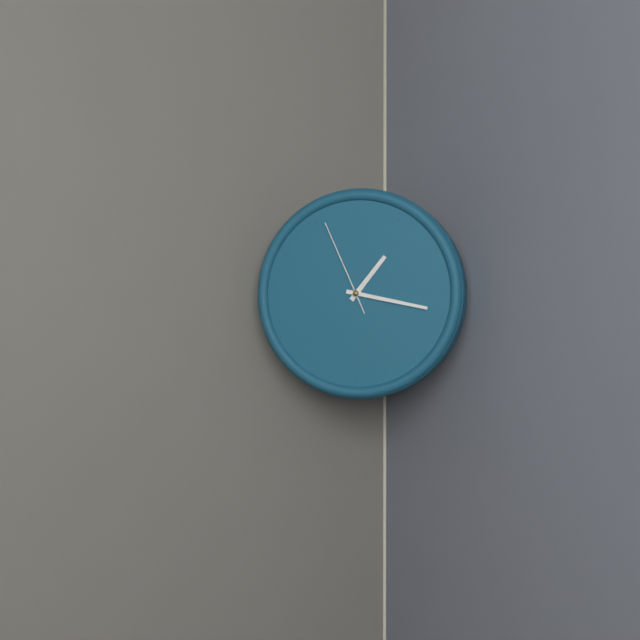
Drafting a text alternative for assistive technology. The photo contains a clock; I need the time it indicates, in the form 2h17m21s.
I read 1h17m56s
